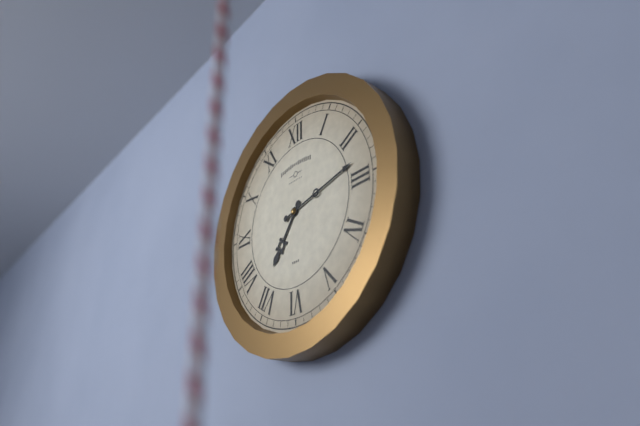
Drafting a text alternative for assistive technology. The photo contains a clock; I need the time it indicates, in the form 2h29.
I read 7h13
